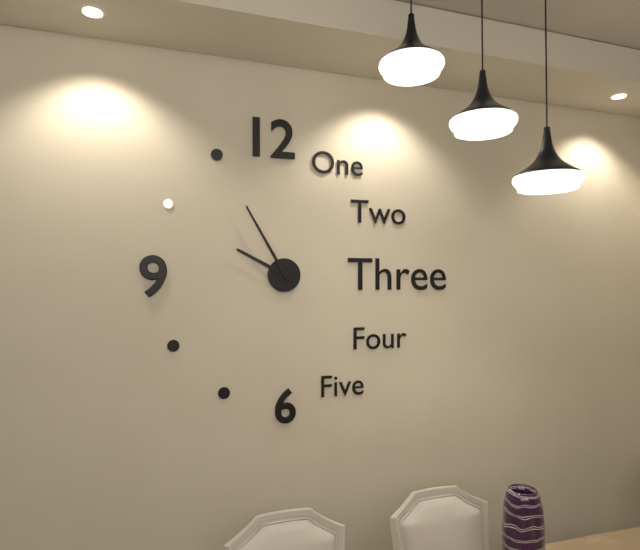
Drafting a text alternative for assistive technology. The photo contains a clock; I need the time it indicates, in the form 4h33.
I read 9h55
